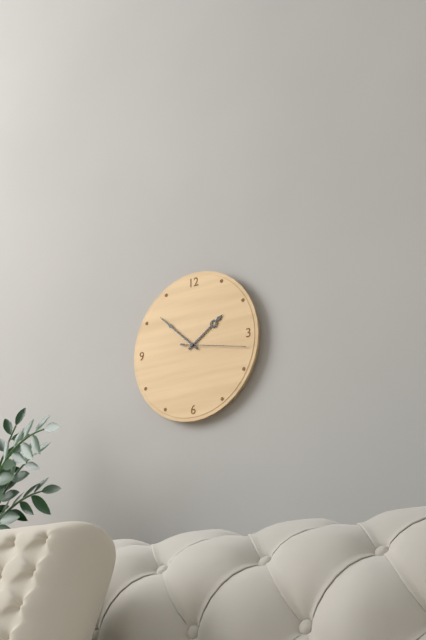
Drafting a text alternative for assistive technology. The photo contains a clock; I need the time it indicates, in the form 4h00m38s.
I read 1h52m17s
